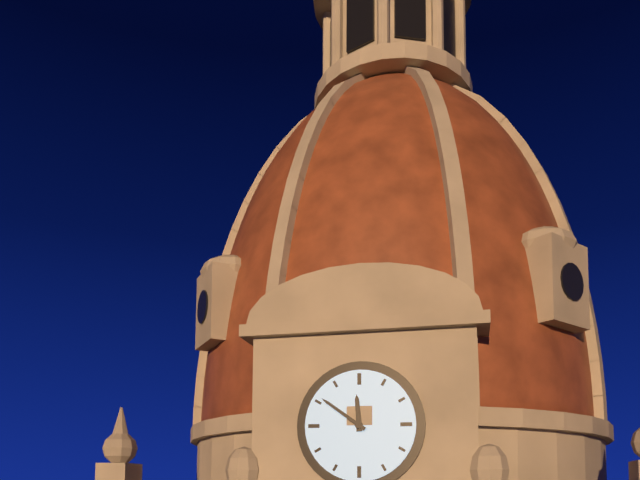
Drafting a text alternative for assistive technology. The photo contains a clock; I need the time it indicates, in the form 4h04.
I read 11h51
